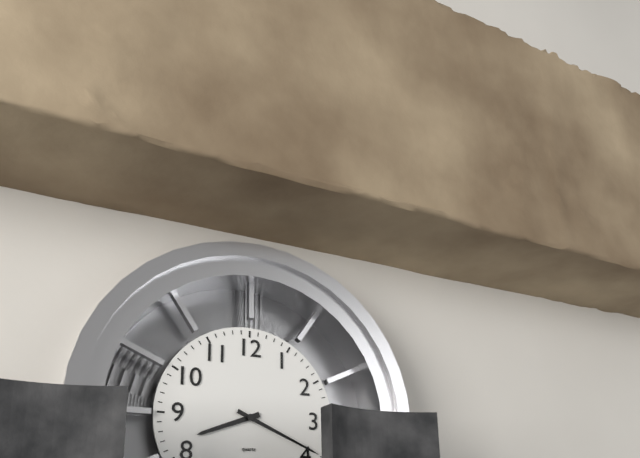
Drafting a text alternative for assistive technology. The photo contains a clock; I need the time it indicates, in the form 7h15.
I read 8h19
